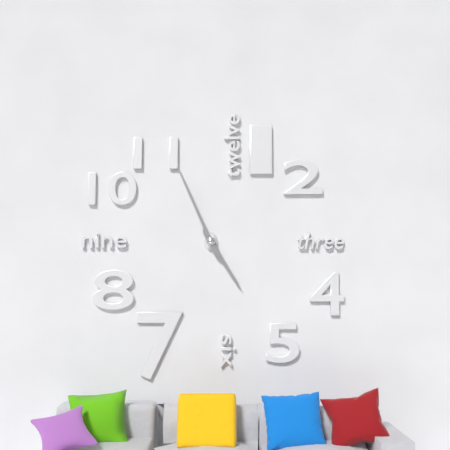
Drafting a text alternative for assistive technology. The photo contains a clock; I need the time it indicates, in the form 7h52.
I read 4h56
